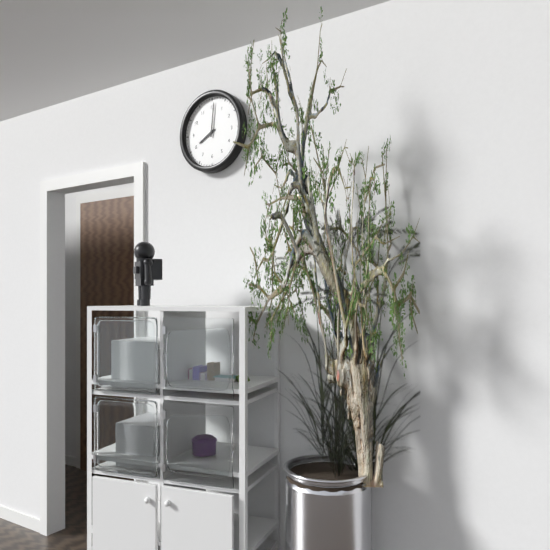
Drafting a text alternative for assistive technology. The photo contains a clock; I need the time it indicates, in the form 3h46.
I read 8h01
